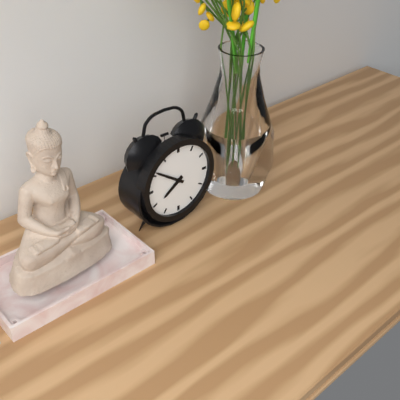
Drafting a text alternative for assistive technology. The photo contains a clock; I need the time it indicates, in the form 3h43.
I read 7h51
